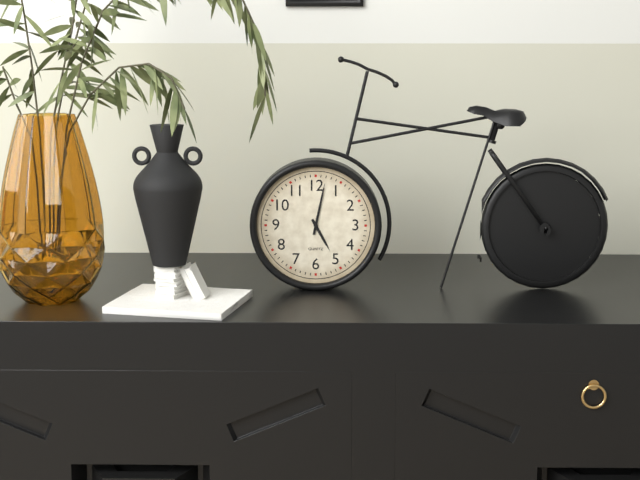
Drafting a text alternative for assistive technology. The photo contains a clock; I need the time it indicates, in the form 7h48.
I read 5h02
